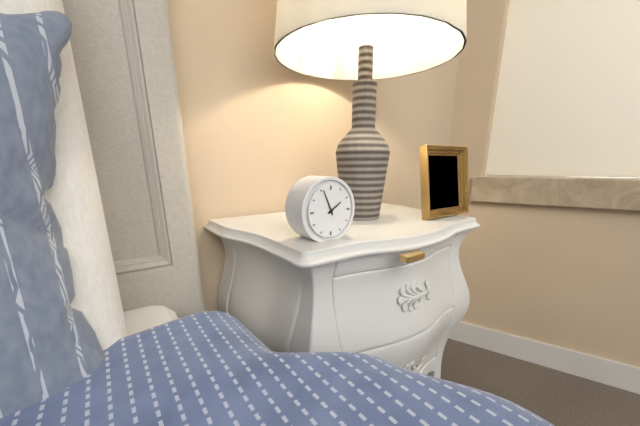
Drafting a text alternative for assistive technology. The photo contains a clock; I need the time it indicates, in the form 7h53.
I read 1h56
